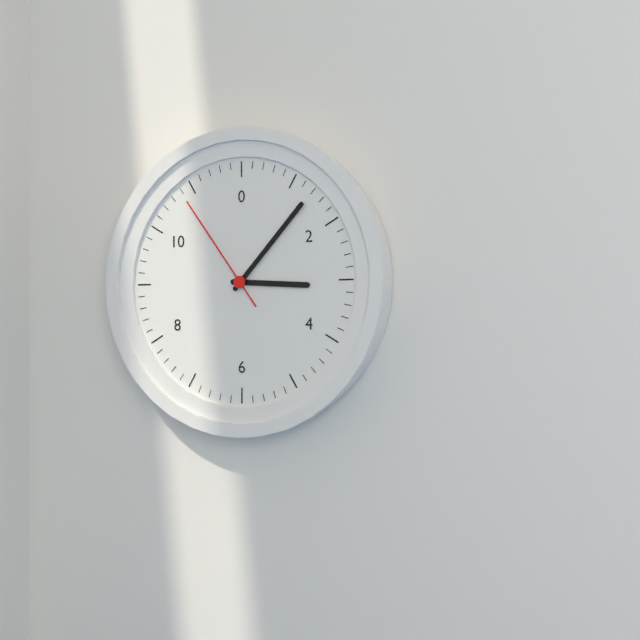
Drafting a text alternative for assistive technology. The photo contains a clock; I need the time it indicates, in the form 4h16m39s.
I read 3h07m54s
